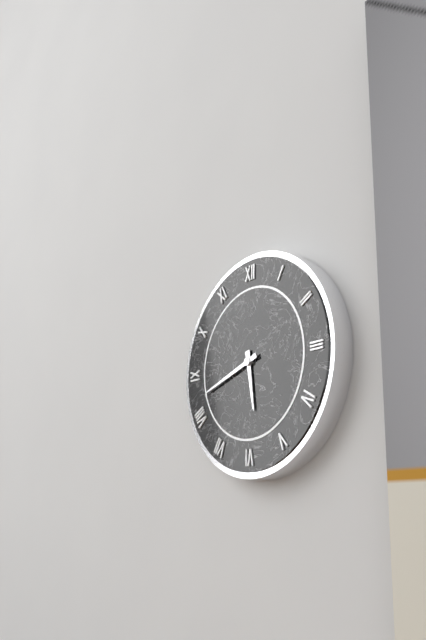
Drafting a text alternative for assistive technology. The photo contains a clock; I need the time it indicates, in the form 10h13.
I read 5h42
